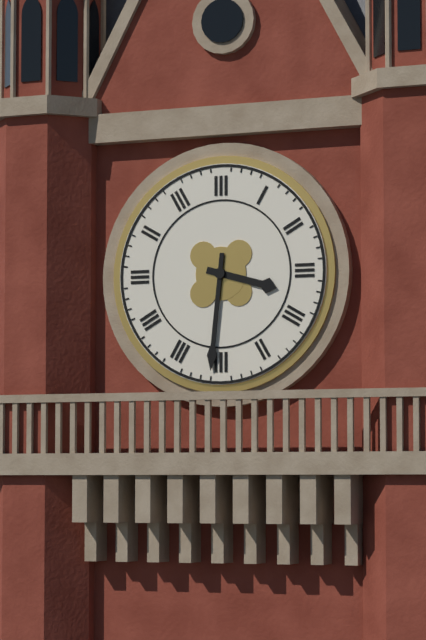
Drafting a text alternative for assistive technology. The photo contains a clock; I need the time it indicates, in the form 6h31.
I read 3h31
